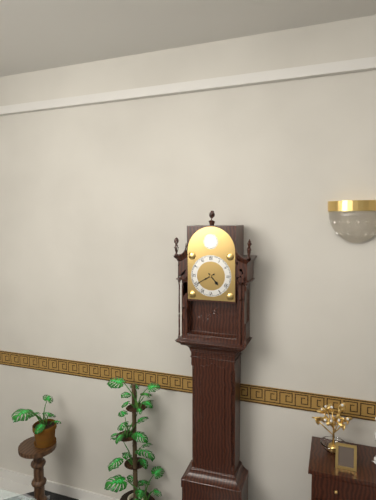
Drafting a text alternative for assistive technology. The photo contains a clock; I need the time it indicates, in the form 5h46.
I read 4h40
